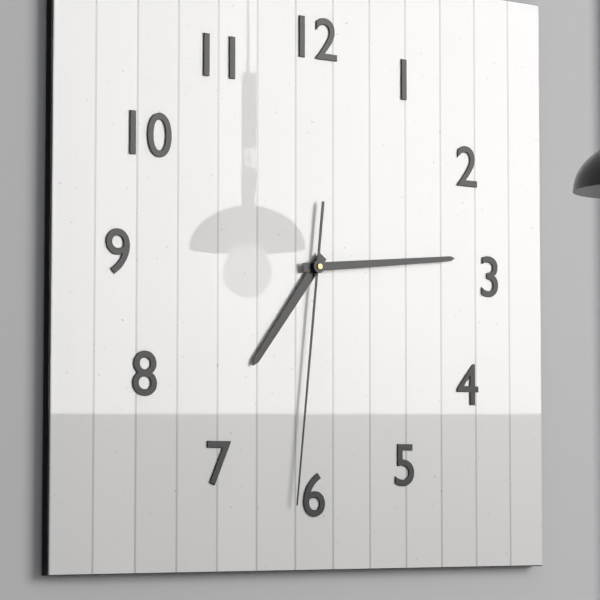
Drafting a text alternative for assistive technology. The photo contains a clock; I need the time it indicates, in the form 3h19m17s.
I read 7h14m31s
